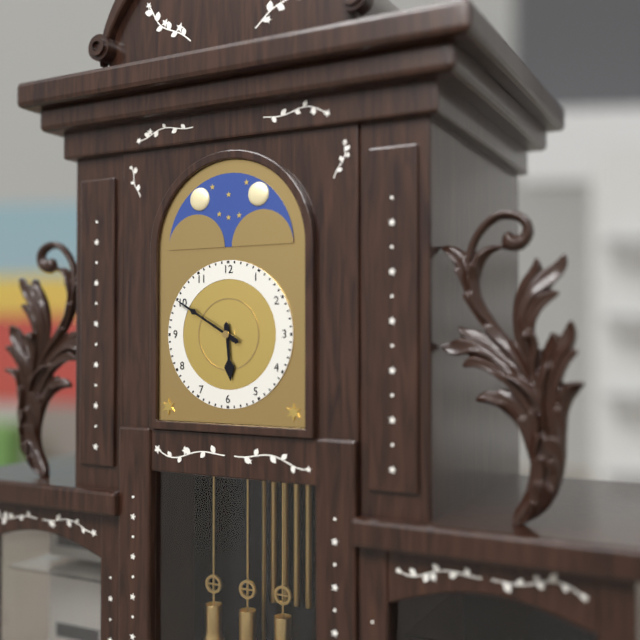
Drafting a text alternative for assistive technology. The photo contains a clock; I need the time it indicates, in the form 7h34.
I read 5h50
